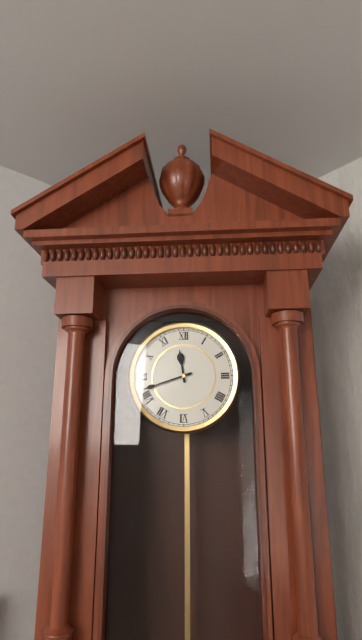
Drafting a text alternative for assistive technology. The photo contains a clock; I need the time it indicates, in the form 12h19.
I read 11h42
